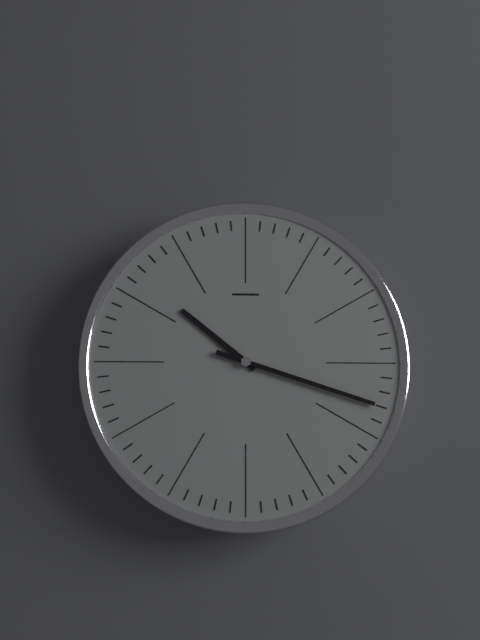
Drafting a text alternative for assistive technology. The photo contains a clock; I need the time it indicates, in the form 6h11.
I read 10h18
